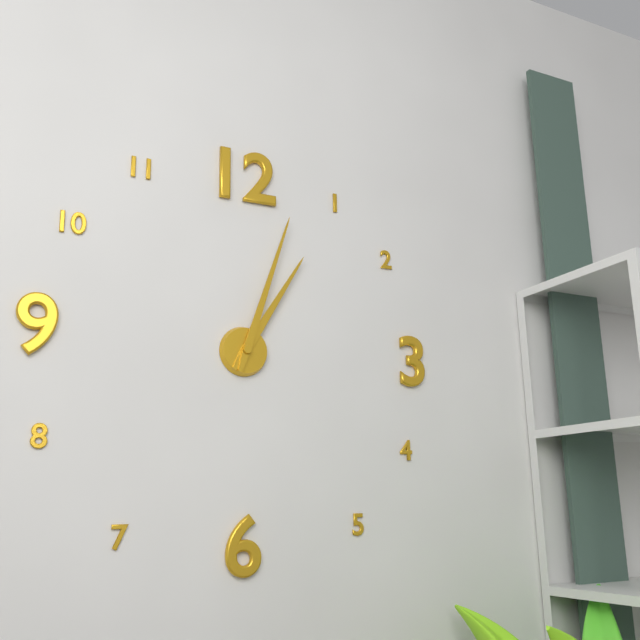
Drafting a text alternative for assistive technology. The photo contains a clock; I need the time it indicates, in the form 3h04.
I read 1h03
